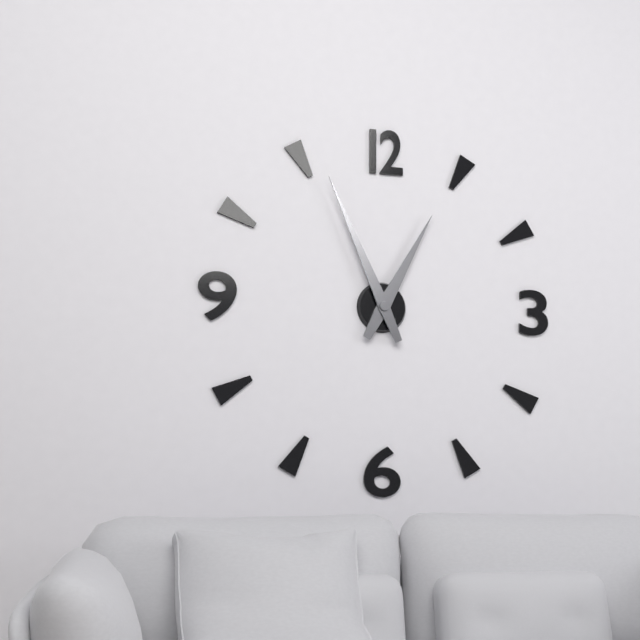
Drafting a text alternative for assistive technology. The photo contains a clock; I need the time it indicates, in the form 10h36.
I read 12h56
